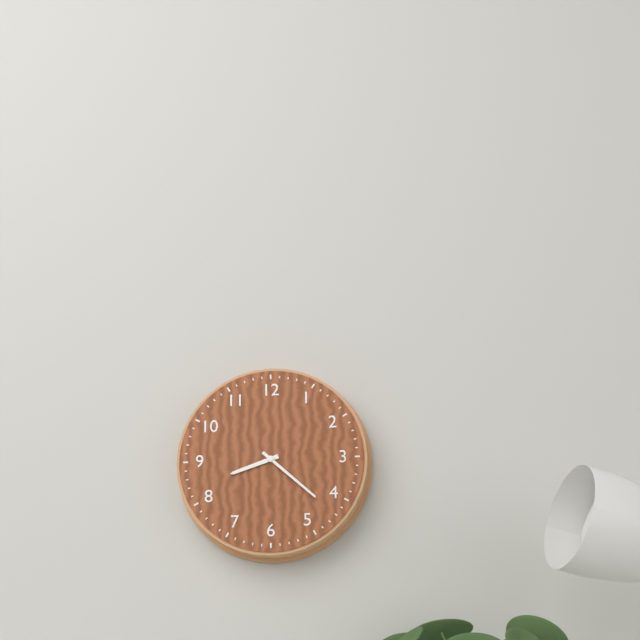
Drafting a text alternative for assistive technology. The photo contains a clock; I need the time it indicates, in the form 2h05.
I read 8h22
